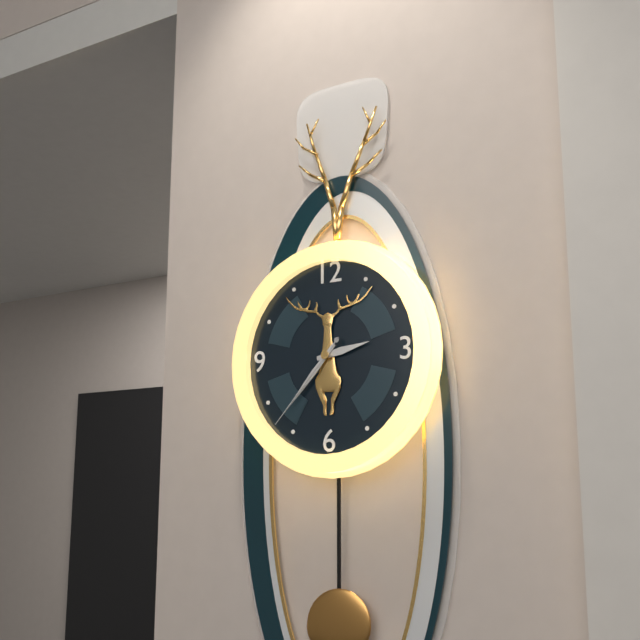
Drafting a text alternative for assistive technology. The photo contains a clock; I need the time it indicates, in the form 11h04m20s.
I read 2h37m37s
